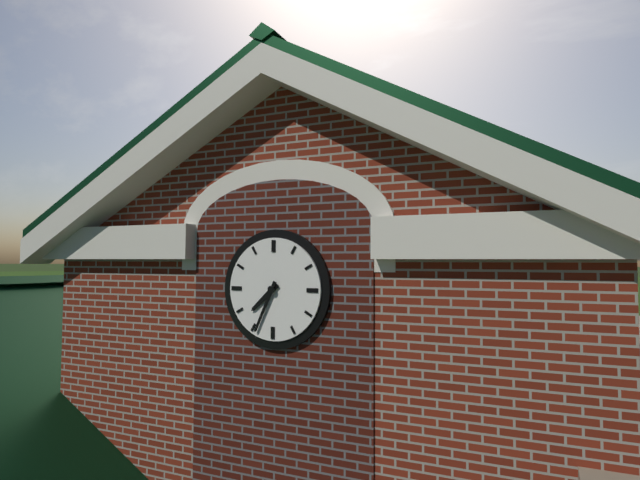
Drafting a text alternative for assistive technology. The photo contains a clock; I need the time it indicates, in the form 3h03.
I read 7h34
